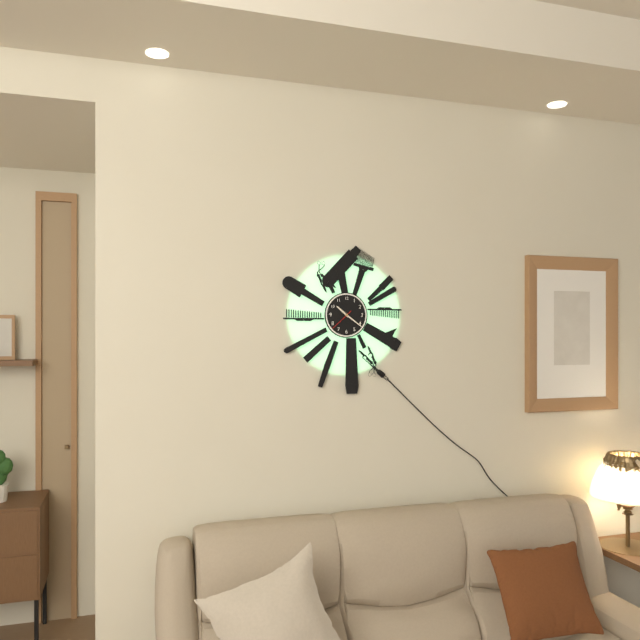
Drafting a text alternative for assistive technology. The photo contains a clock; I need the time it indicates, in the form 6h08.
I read 10h21
